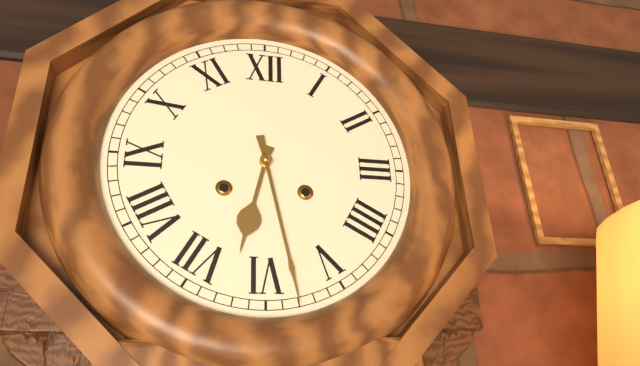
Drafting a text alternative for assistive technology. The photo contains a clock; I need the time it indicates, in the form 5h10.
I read 6h28
